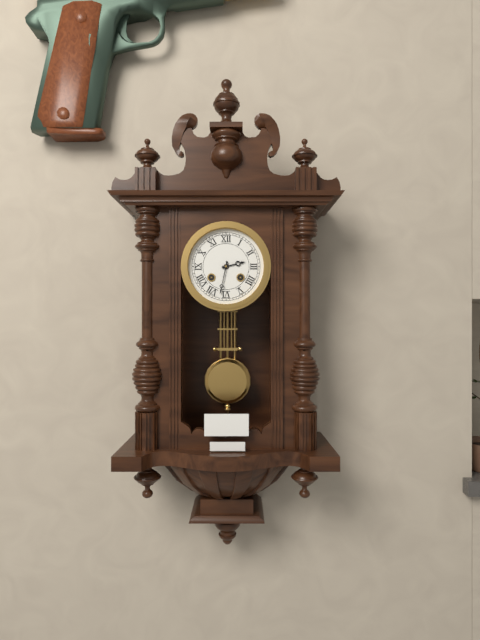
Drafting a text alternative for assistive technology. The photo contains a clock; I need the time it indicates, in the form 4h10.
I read 2h32
